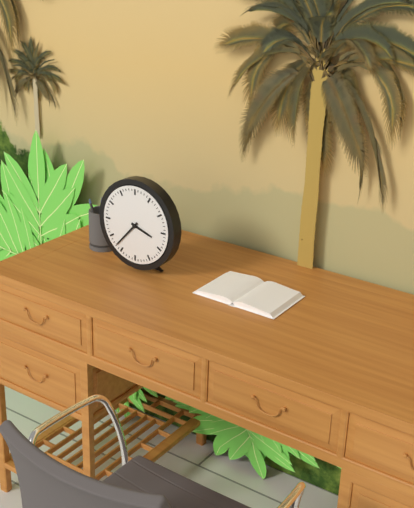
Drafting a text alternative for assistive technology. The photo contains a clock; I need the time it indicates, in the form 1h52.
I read 3h37
